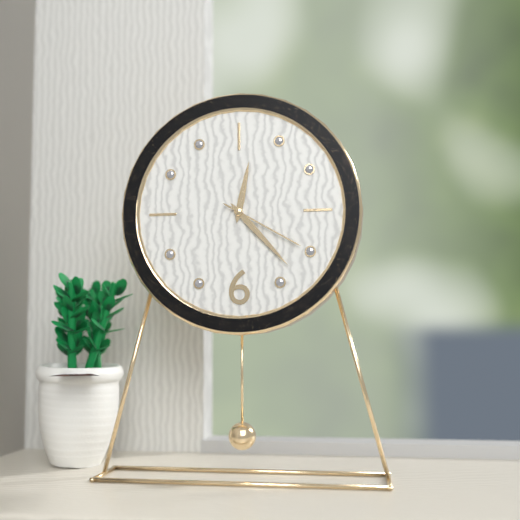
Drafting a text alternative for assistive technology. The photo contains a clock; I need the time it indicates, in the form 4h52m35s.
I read 12h23m20s
